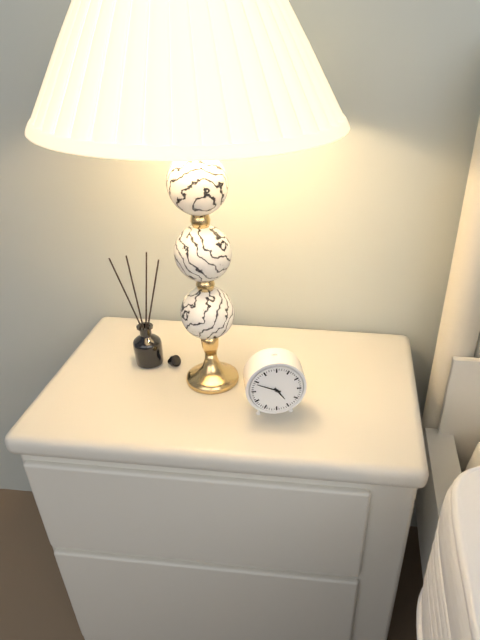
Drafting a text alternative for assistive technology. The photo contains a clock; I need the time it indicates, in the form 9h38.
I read 4h49
